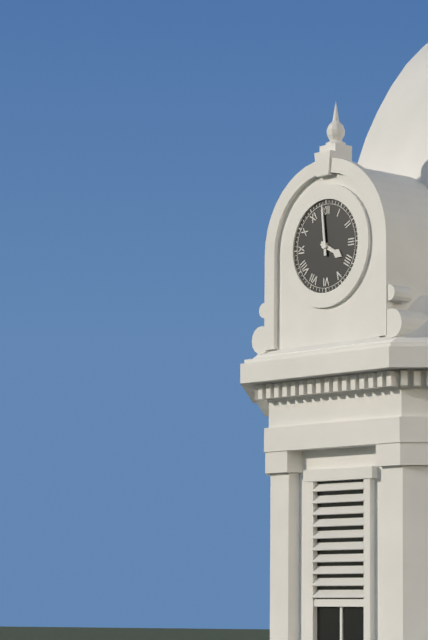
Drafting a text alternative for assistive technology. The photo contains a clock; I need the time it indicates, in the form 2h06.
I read 3h59
